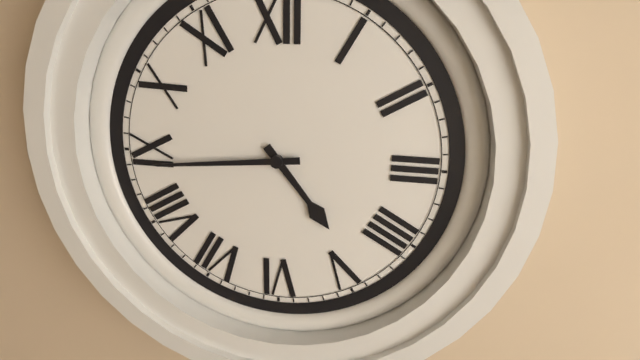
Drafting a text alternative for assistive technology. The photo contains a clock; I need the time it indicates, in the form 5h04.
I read 4h44
